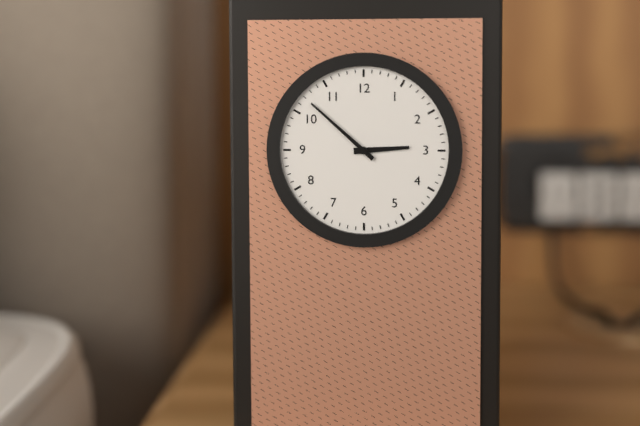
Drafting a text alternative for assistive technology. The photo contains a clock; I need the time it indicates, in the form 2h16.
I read 2h52
